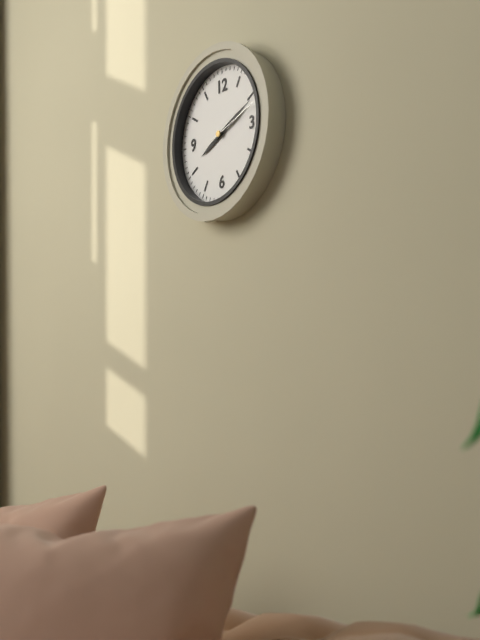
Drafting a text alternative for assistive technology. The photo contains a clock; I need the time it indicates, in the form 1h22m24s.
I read 8h11m12s
